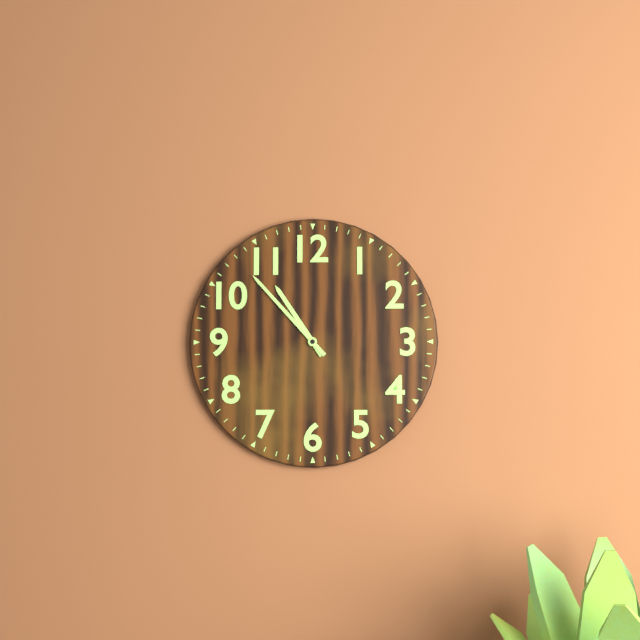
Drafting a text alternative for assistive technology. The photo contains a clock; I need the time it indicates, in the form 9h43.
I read 10h53
